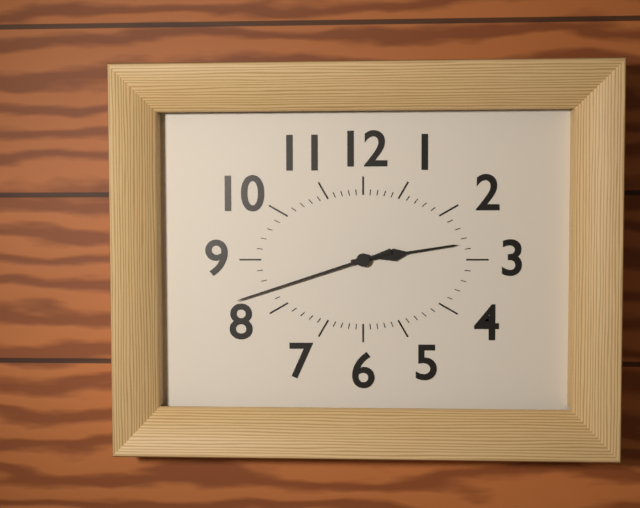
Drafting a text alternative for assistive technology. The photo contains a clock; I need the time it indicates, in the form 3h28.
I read 2h42
